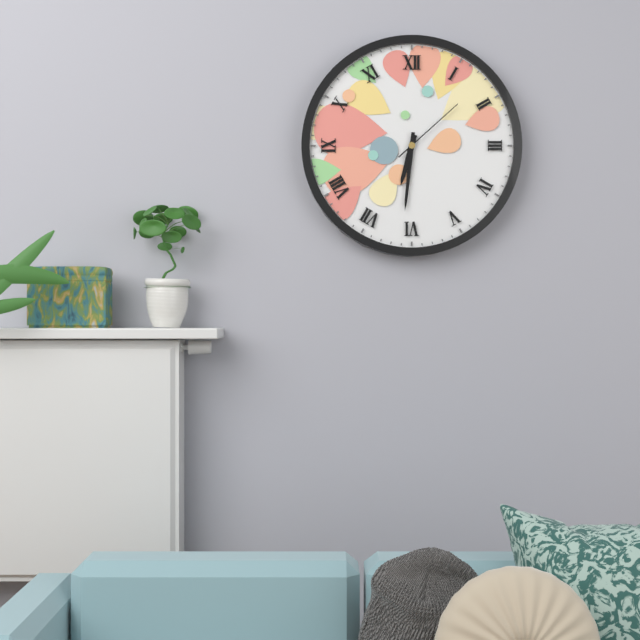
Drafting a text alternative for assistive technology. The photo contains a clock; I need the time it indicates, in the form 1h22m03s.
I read 6h31m08s
